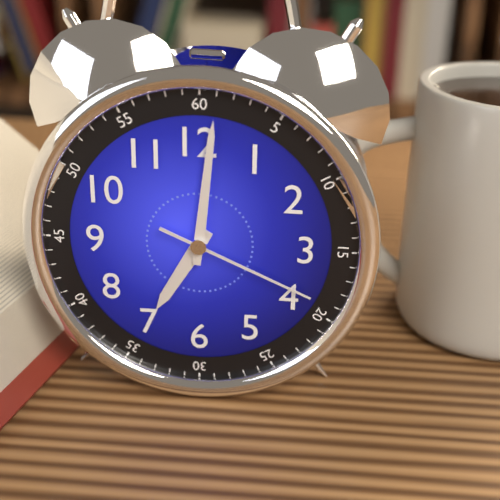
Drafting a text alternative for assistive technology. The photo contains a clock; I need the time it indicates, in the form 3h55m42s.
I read 7h01m19s
